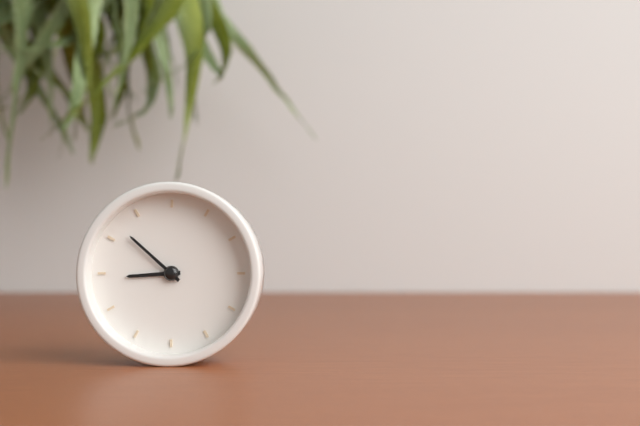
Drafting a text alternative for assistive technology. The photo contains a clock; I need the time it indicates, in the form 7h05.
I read 8h52
